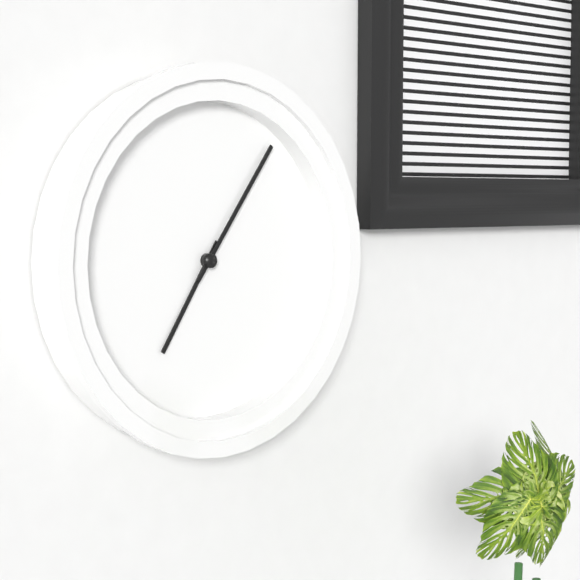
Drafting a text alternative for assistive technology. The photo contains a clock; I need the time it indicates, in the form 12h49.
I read 7h06
